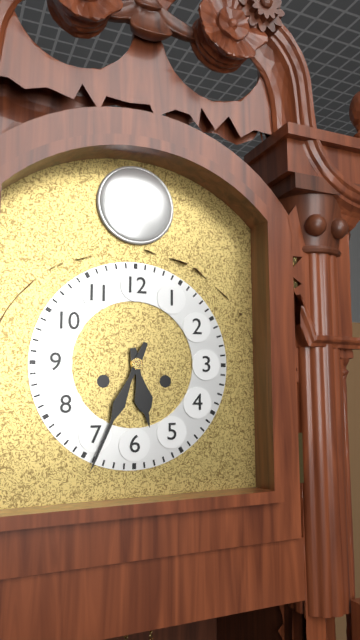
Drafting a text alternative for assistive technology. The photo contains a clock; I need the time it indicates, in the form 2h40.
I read 5h34
